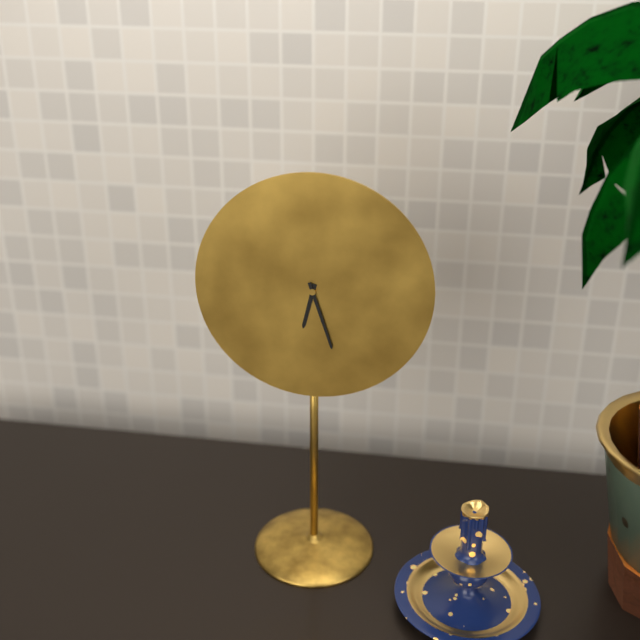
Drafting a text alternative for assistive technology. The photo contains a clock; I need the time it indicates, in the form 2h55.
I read 6h27
